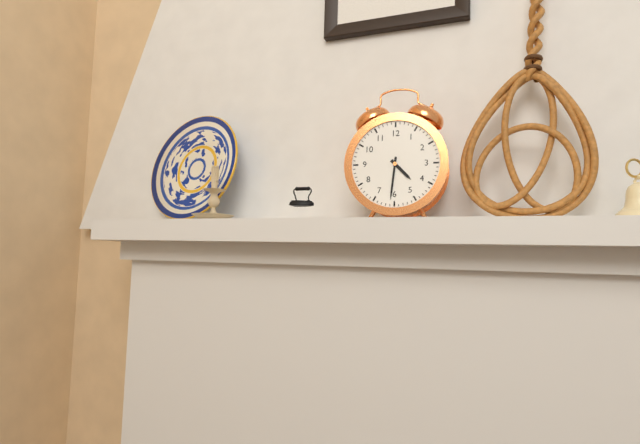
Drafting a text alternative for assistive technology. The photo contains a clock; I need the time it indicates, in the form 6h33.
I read 4h31
